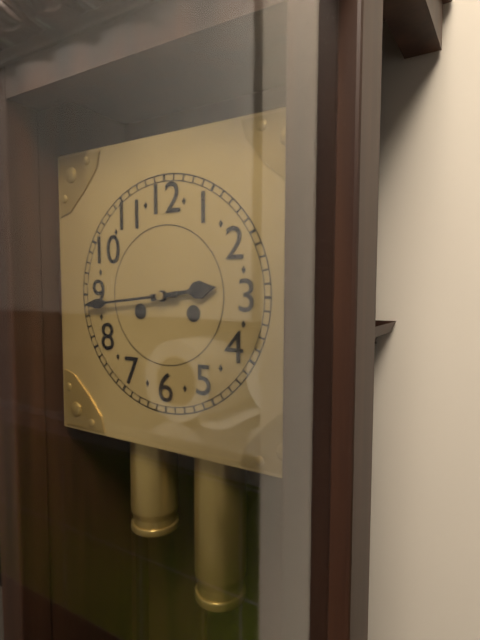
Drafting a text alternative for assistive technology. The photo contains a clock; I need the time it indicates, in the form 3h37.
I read 2h44
